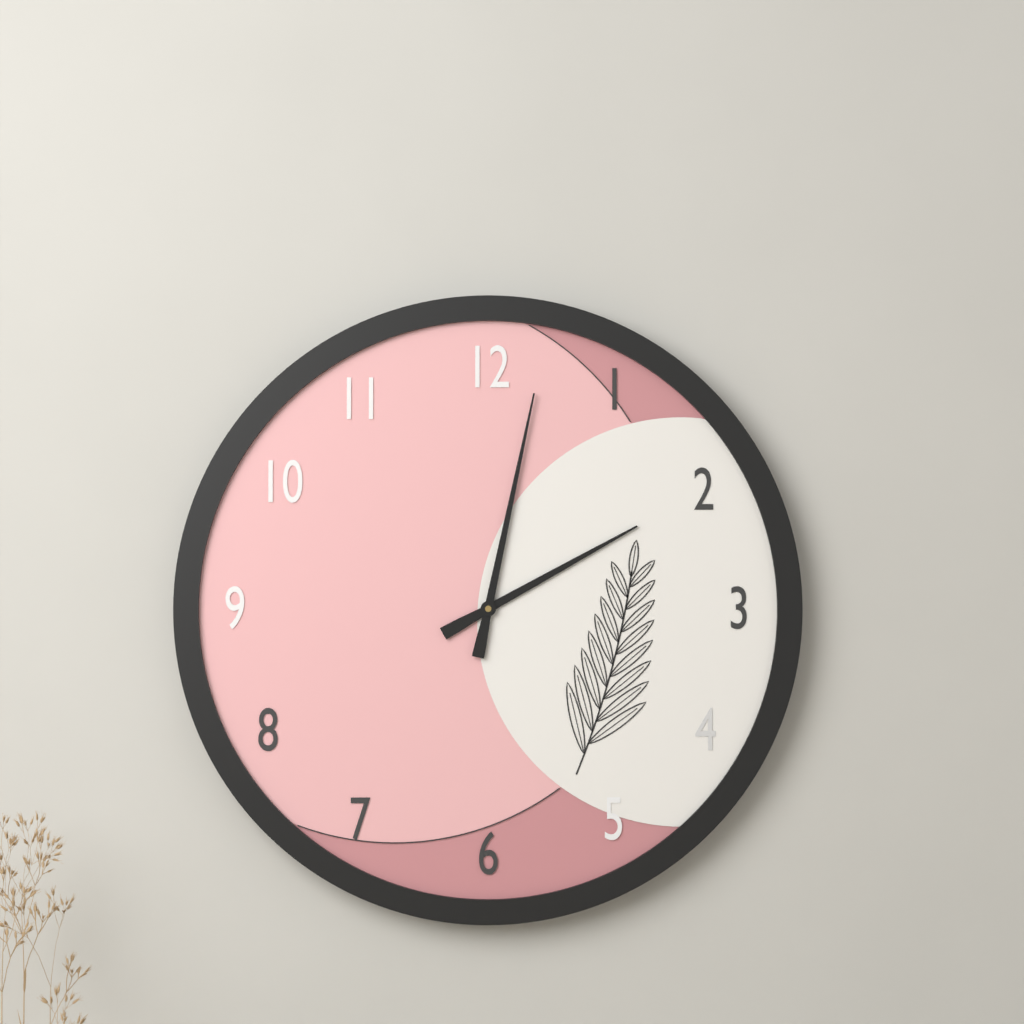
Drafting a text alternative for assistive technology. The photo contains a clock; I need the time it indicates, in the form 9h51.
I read 2h02
